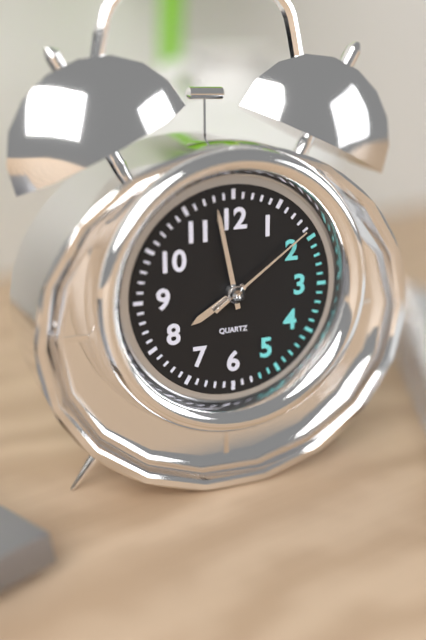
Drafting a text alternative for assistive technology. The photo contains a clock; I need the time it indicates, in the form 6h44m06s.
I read 7h58m09s
